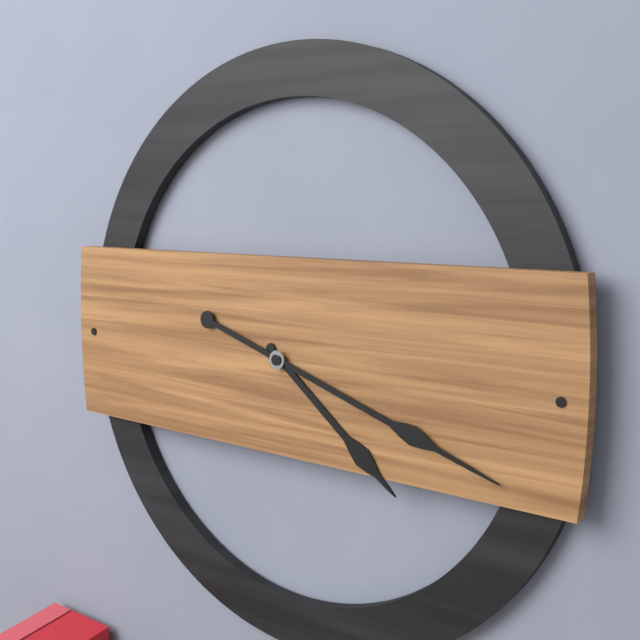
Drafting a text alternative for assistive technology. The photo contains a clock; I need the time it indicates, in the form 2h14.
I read 4h18
